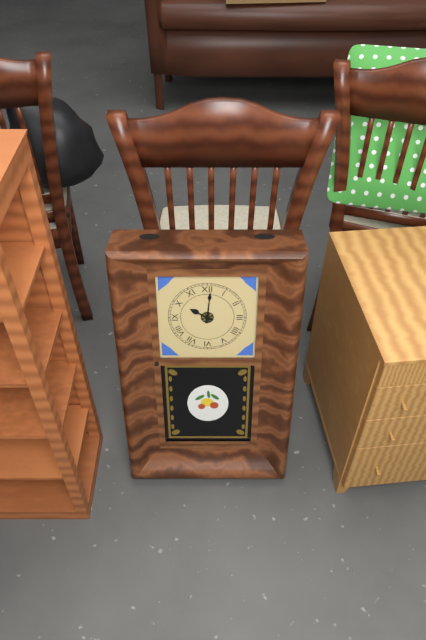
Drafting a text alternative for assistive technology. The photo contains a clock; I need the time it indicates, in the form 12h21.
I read 10h01
